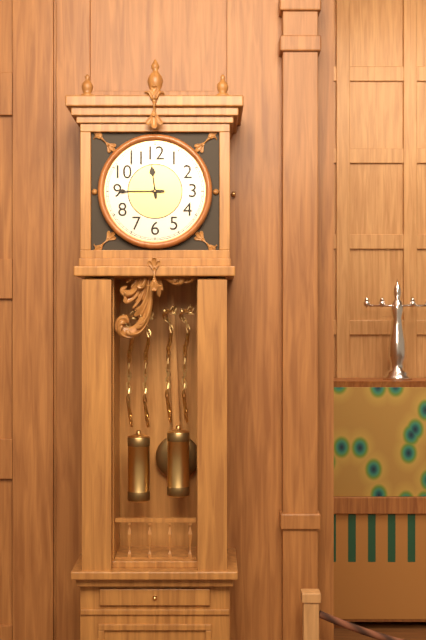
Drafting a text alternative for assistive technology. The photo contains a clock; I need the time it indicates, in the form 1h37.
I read 11h45
